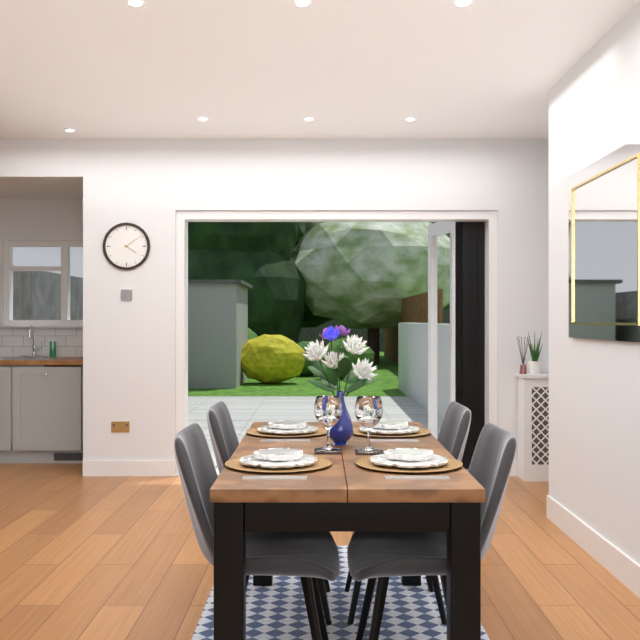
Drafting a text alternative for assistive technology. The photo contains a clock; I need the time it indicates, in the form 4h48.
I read 4h09
